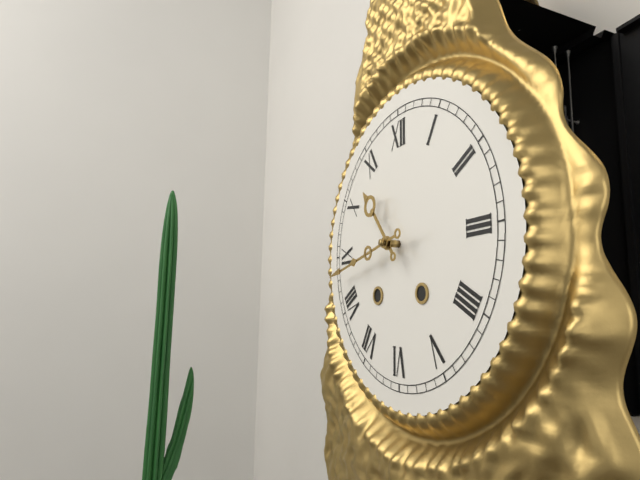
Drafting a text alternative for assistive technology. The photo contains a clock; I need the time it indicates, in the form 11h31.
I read 10h43
